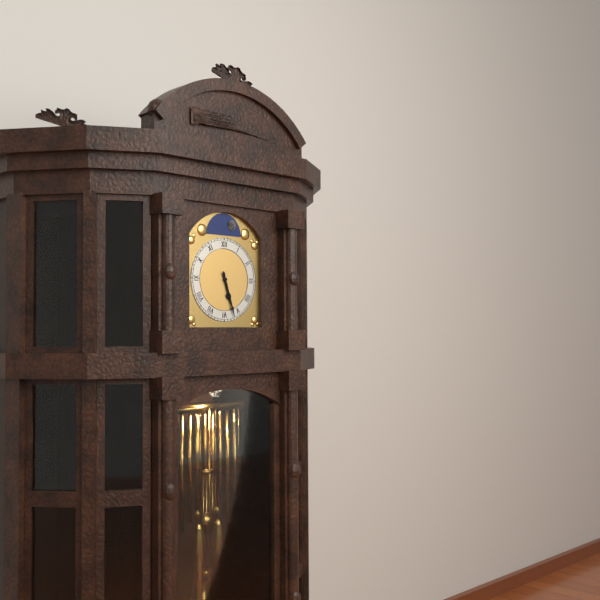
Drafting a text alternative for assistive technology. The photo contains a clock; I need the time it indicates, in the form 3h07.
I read 5h27
